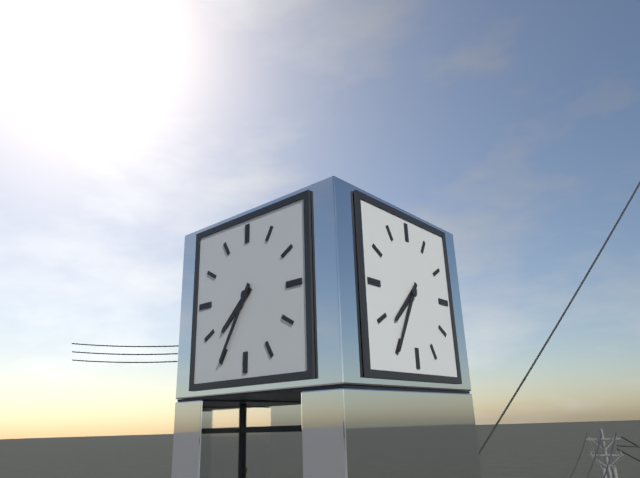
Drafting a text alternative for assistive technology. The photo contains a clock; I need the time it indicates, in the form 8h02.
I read 7h35
